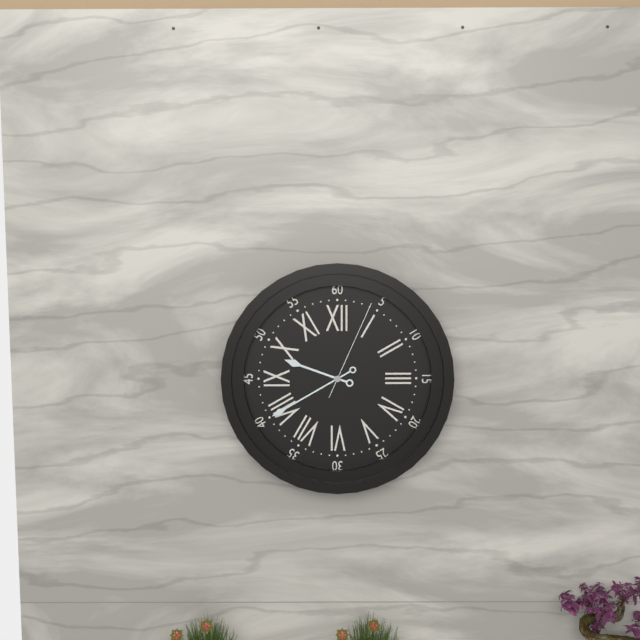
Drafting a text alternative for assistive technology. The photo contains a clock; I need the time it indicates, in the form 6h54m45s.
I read 9h40m04s
